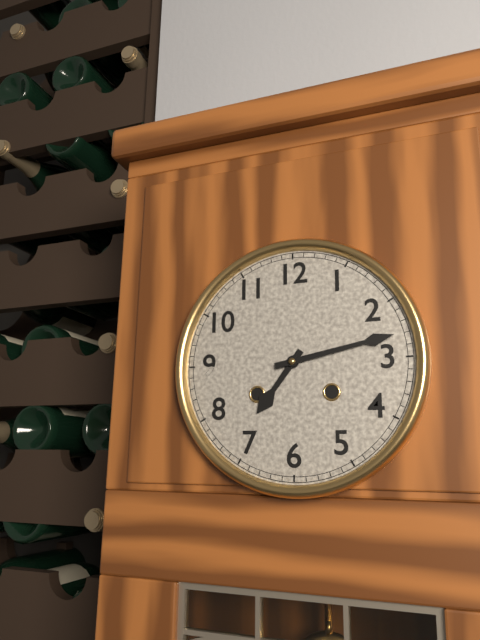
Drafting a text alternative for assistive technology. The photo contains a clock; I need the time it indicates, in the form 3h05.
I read 7h13
